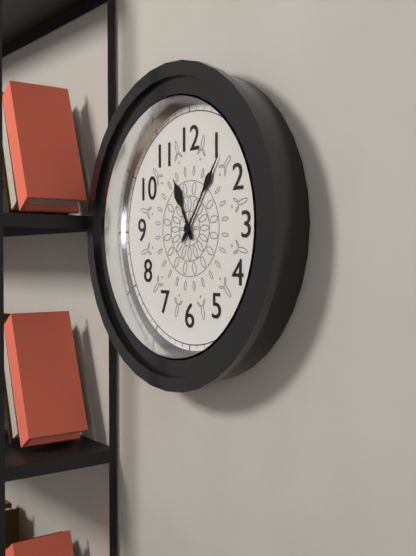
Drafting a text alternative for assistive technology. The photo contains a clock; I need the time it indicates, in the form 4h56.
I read 11h06
